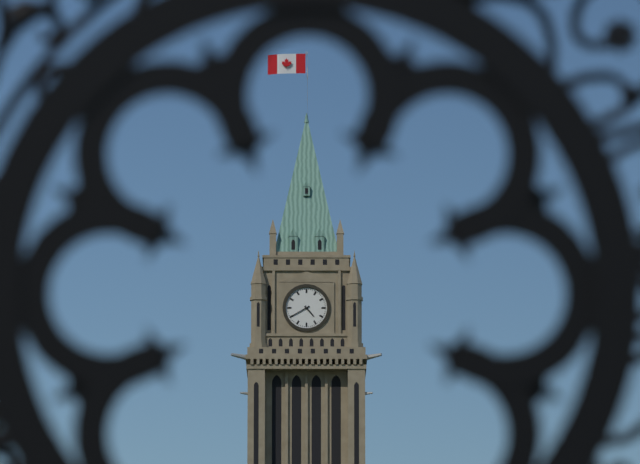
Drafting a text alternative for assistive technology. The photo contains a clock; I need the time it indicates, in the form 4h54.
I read 4h40
